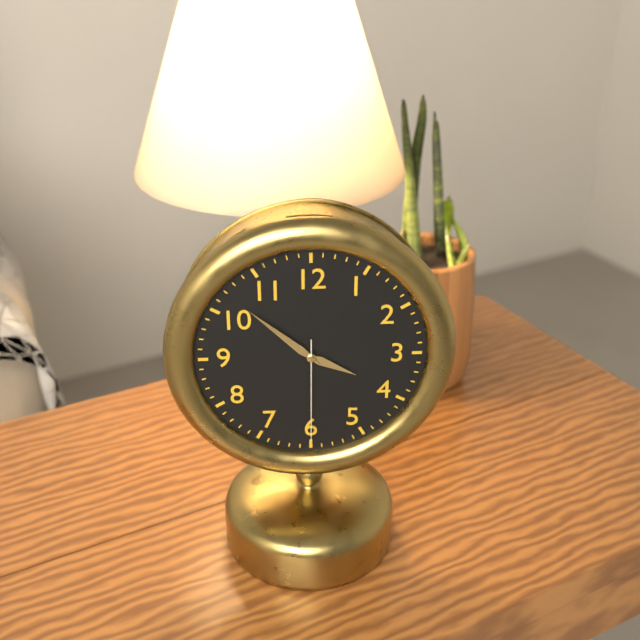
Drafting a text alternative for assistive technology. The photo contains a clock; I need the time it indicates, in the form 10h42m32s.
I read 3h52m30s
